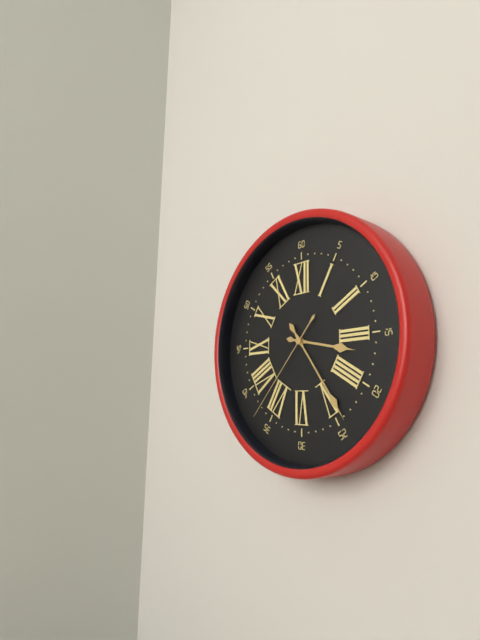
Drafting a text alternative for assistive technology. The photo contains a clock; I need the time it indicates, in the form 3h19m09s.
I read 3h24m37s
